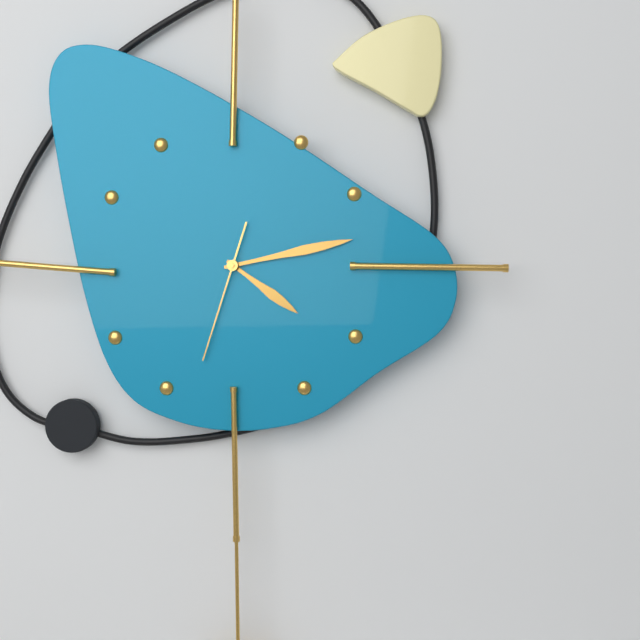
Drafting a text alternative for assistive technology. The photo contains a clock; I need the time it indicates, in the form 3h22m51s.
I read 4h13m33s
